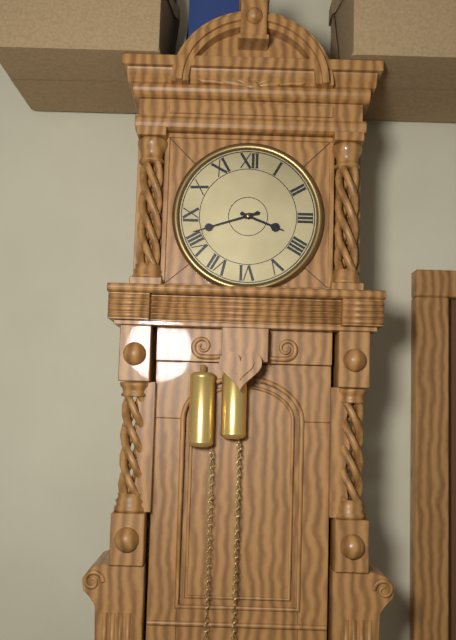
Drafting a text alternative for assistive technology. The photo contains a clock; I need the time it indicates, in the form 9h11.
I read 3h42
